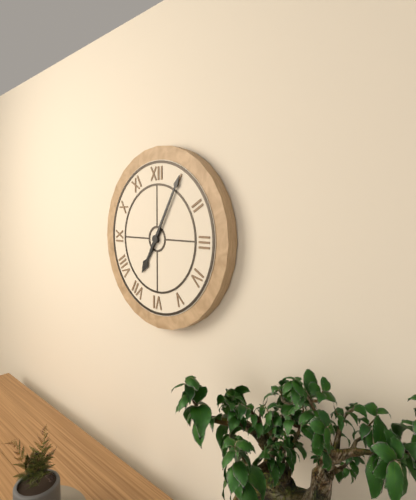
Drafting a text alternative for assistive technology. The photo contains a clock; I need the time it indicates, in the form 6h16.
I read 7h05
